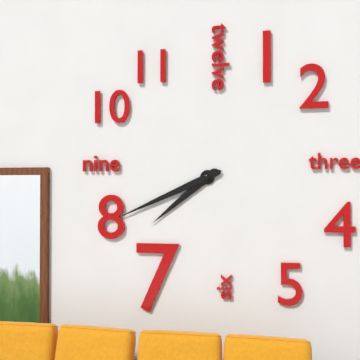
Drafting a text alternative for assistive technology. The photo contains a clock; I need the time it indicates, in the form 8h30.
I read 7h41
